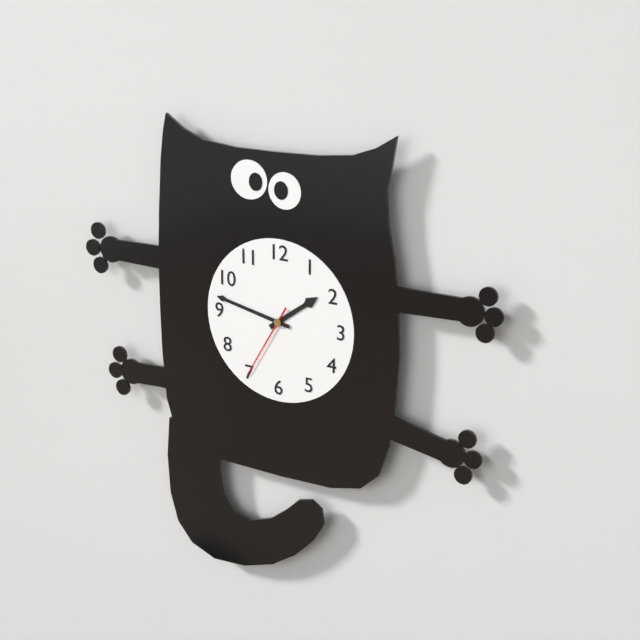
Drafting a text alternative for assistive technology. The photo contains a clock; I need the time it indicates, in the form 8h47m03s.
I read 1h47m35s
